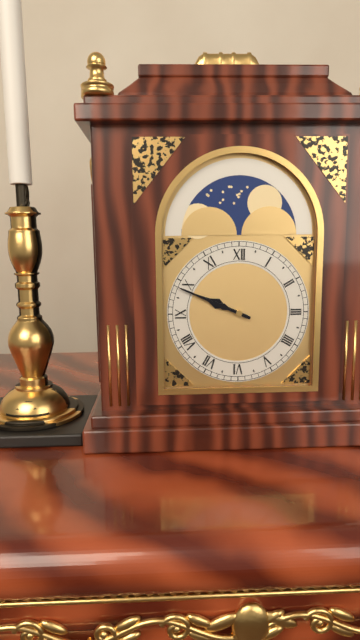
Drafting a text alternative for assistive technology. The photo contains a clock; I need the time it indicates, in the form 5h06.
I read 9h49
